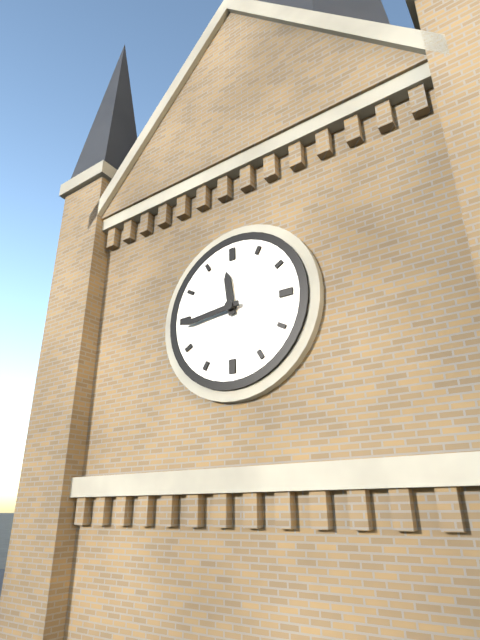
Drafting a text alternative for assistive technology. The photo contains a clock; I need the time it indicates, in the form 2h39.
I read 11h44
